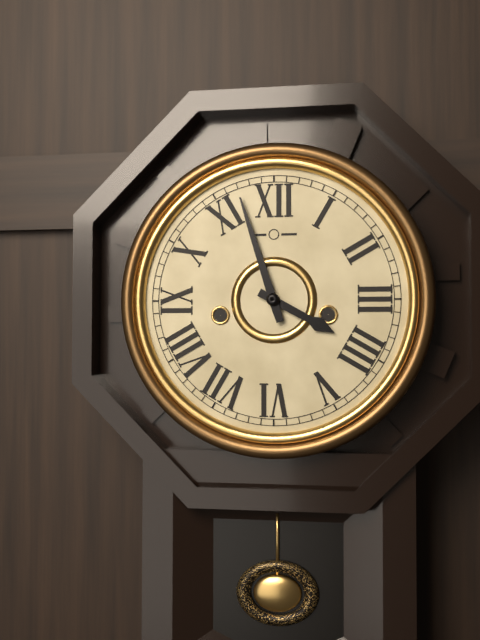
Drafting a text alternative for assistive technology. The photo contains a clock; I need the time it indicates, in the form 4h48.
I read 3h57
